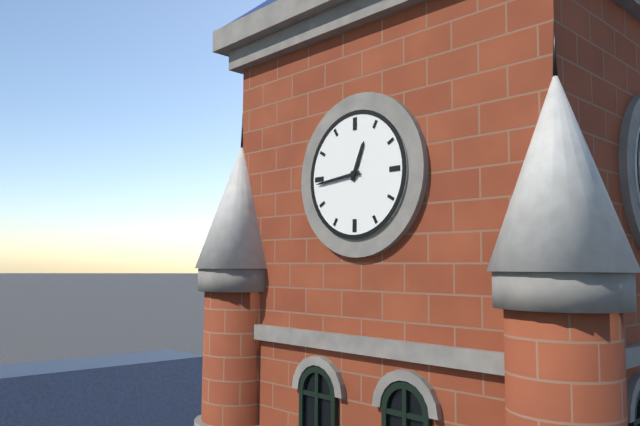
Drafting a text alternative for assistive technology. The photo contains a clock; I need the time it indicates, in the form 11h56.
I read 12h44
